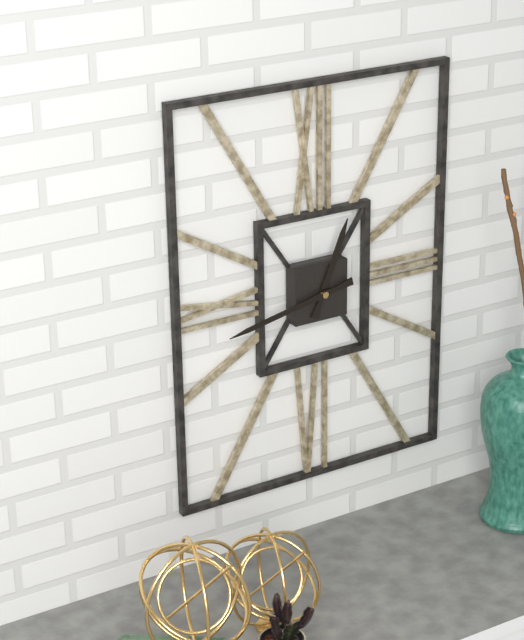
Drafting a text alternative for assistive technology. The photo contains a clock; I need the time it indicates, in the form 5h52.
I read 12h43
